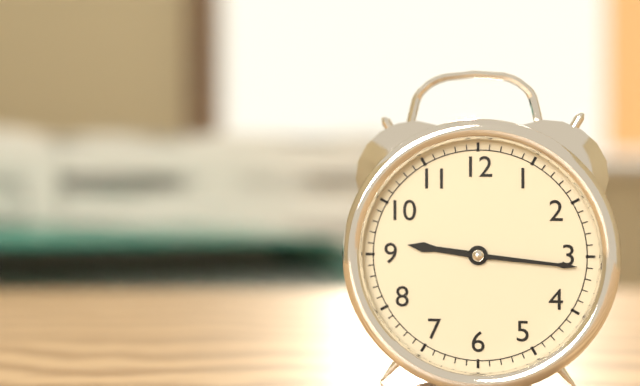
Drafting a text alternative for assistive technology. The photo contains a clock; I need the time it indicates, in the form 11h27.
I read 9h16
